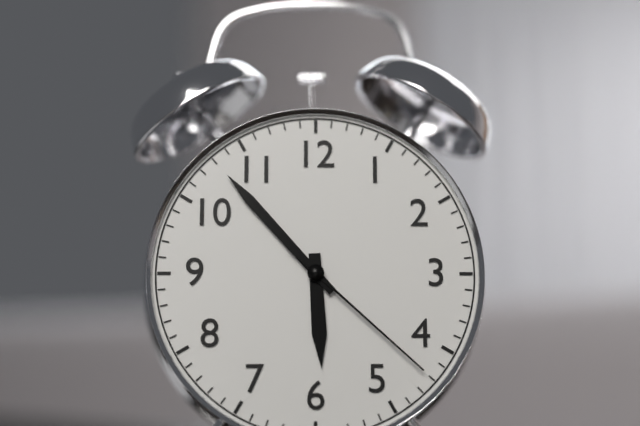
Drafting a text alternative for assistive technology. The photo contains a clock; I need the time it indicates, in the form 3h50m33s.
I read 5h53m22s
